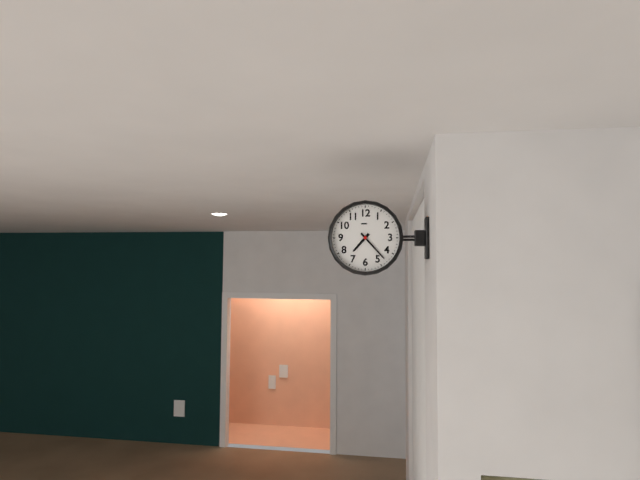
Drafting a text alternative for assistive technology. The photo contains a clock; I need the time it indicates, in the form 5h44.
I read 7h23
